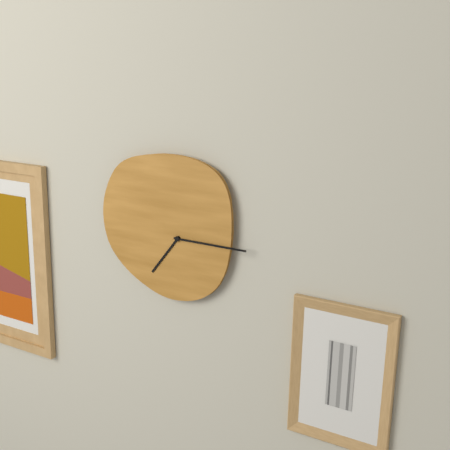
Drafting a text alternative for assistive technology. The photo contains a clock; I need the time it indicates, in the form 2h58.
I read 7h15
